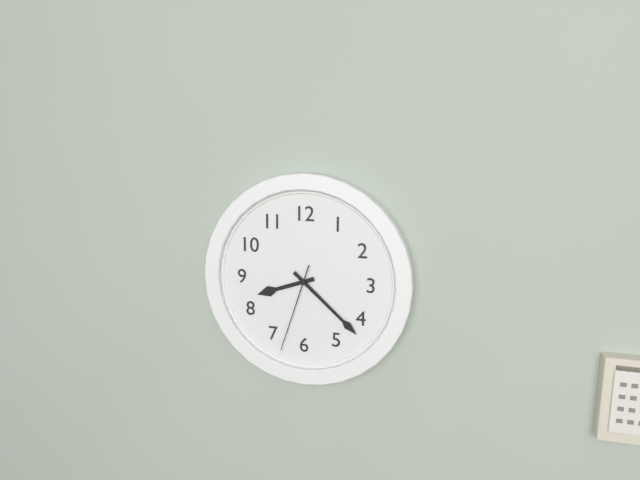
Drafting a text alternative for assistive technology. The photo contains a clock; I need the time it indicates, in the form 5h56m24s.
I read 8h22m33s
